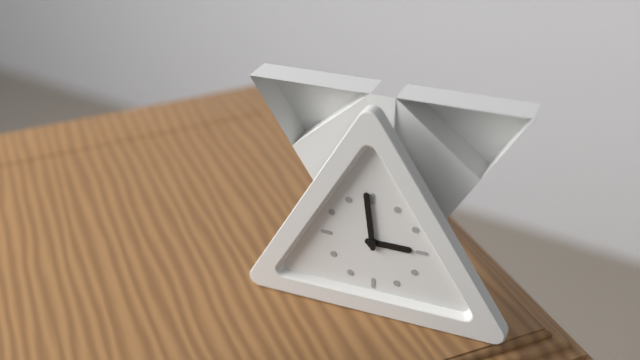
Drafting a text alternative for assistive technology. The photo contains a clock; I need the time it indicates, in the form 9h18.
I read 2h59
